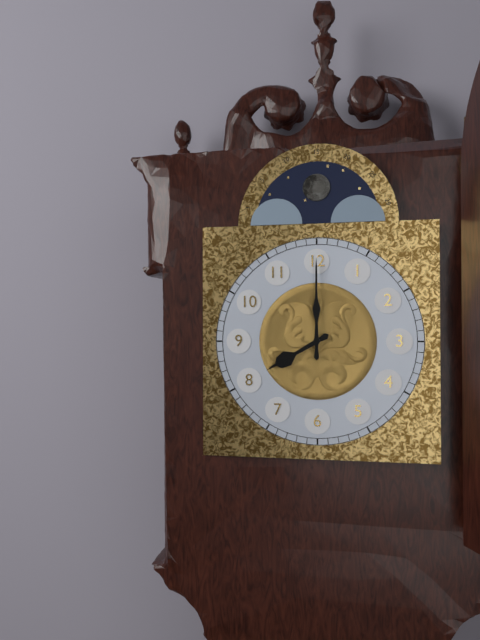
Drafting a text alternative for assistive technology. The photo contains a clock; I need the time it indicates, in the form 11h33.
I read 8h00
